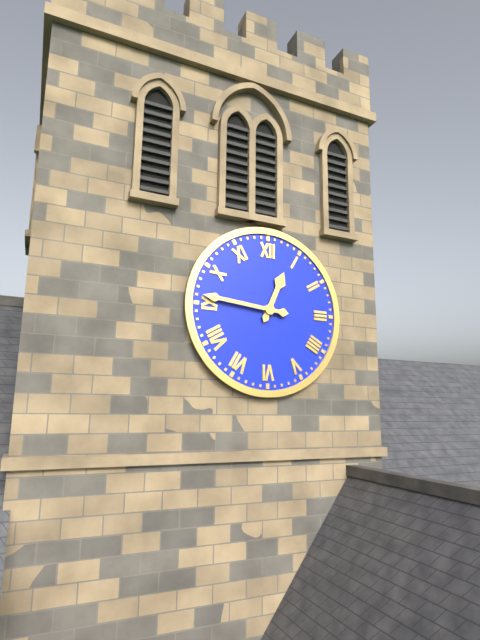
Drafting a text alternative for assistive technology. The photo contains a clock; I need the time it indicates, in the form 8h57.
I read 12h46
